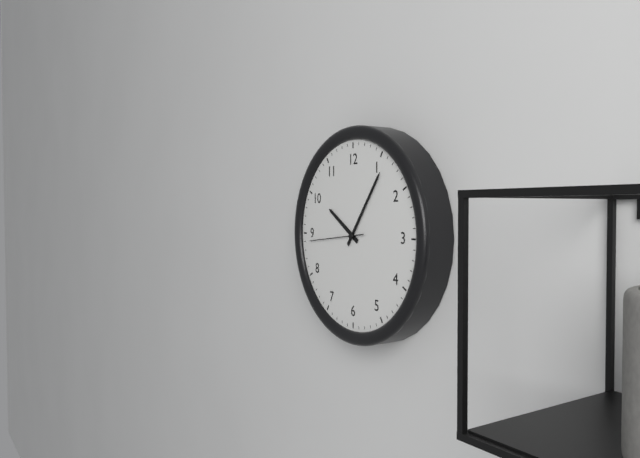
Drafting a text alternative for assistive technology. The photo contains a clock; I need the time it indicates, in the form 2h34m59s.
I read 10h06m44s
